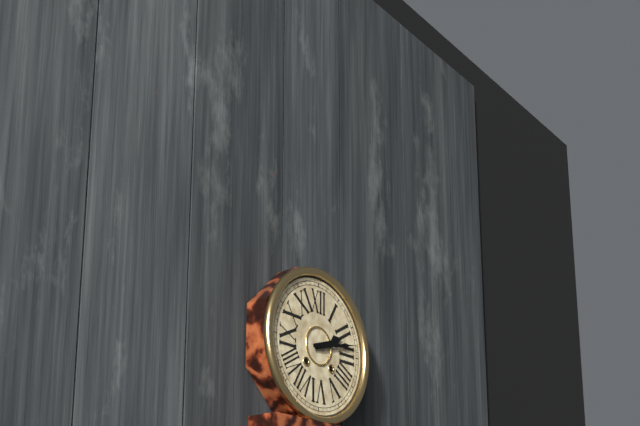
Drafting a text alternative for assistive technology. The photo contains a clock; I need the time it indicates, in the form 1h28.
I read 2h13
